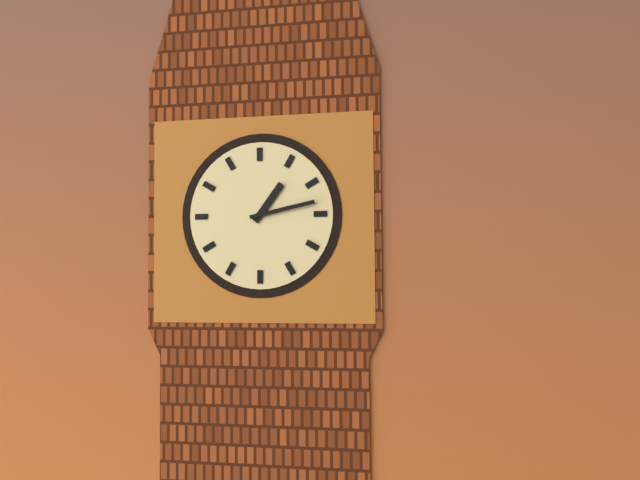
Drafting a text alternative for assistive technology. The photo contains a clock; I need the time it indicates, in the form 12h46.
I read 1h13
